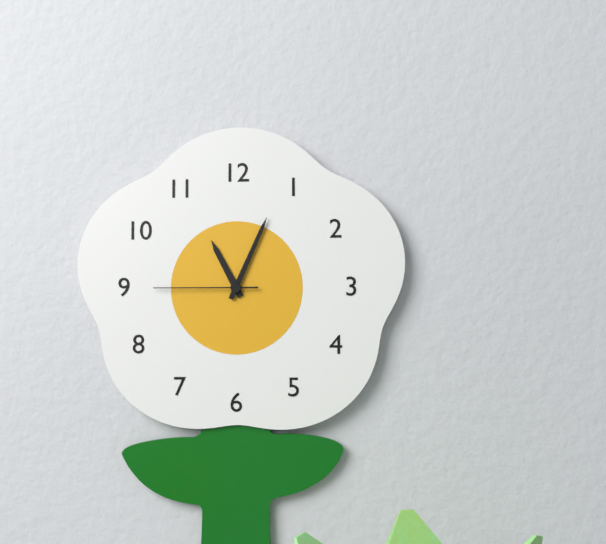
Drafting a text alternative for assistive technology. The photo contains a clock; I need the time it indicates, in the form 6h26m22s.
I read 11h04m45s
